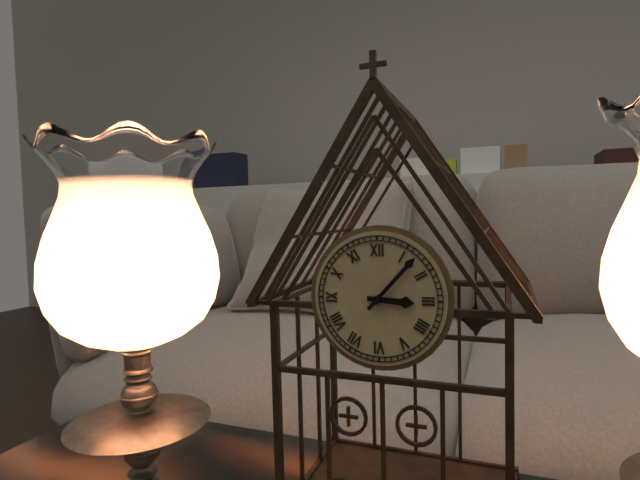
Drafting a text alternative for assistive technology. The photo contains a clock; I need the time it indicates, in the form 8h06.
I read 3h07
